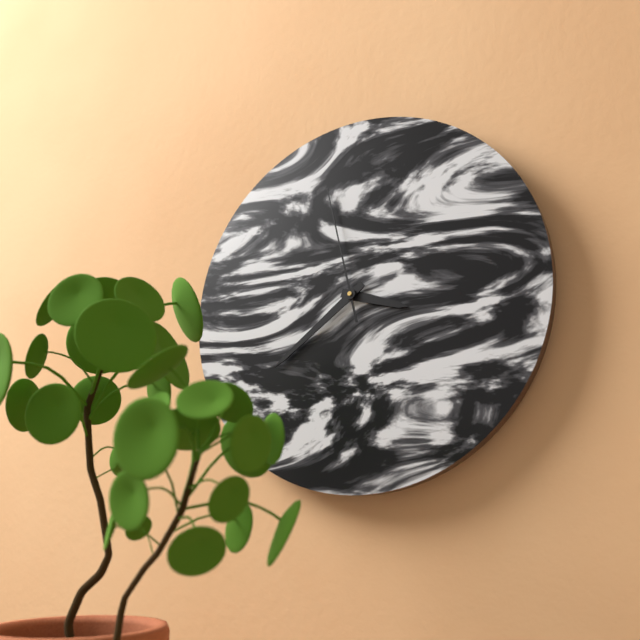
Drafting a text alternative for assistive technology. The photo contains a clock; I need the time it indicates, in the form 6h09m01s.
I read 3h39m58s
